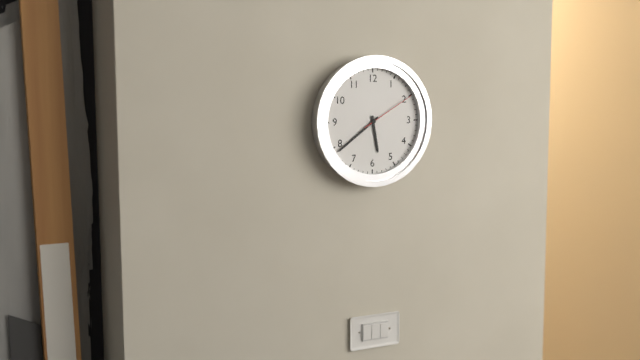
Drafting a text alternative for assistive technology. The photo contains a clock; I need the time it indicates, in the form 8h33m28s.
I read 5h39m10s
